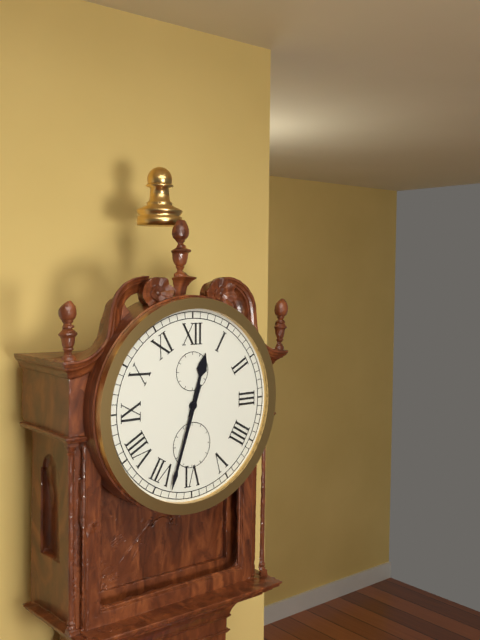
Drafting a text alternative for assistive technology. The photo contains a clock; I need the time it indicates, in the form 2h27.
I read 12h33
